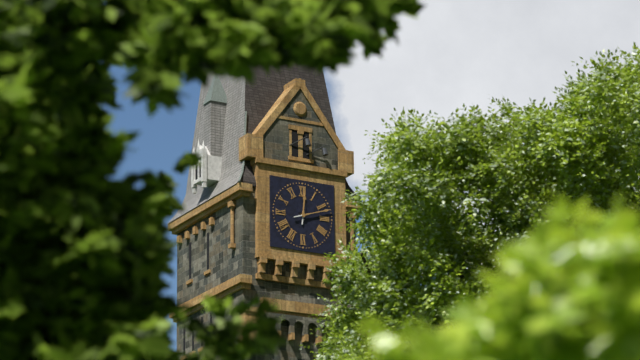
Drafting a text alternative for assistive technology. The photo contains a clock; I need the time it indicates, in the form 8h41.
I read 12h12
